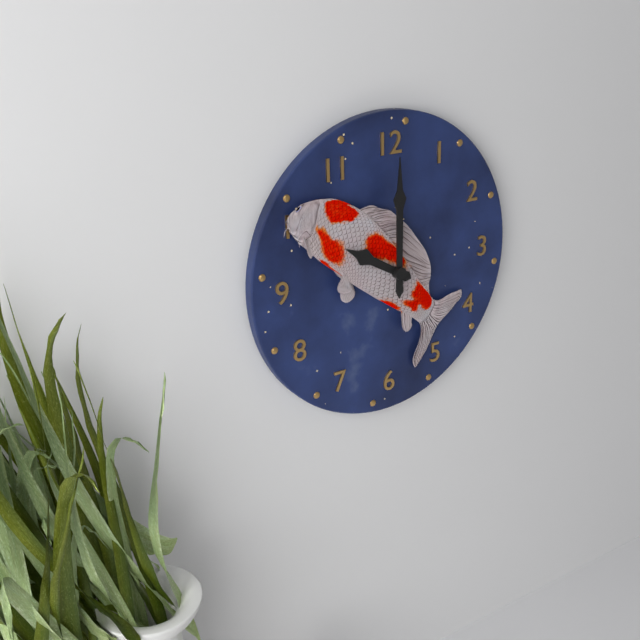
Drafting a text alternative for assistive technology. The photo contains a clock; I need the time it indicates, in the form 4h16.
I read 10h00
